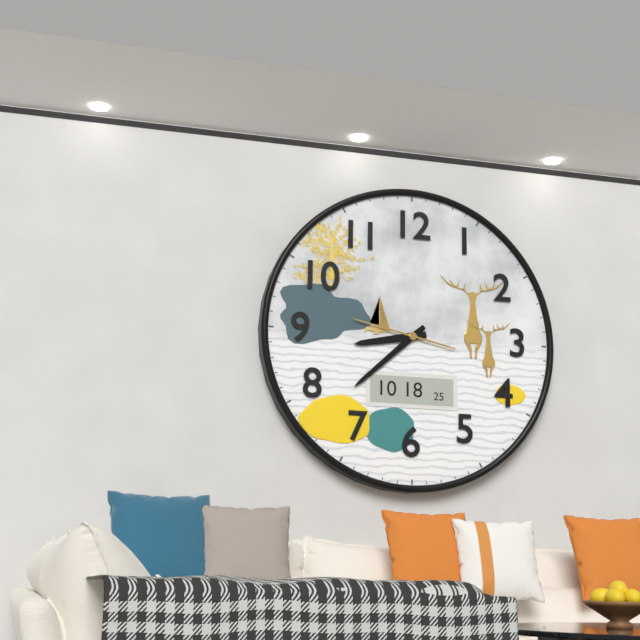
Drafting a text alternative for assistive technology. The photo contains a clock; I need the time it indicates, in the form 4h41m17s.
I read 8h38m47s
